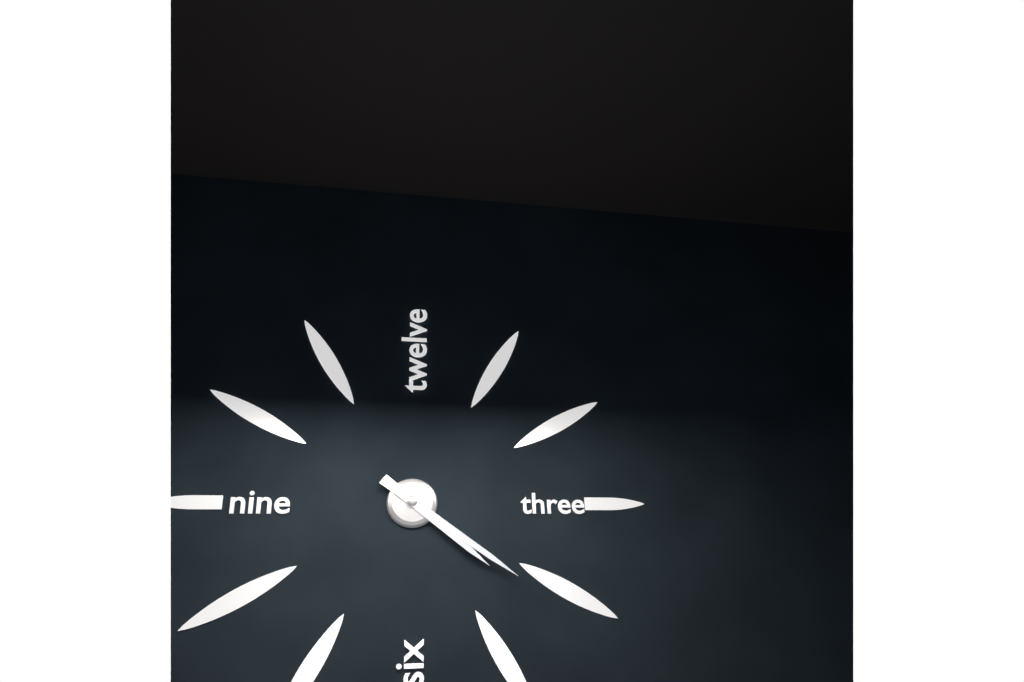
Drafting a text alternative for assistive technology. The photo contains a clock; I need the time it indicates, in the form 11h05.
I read 4h21
